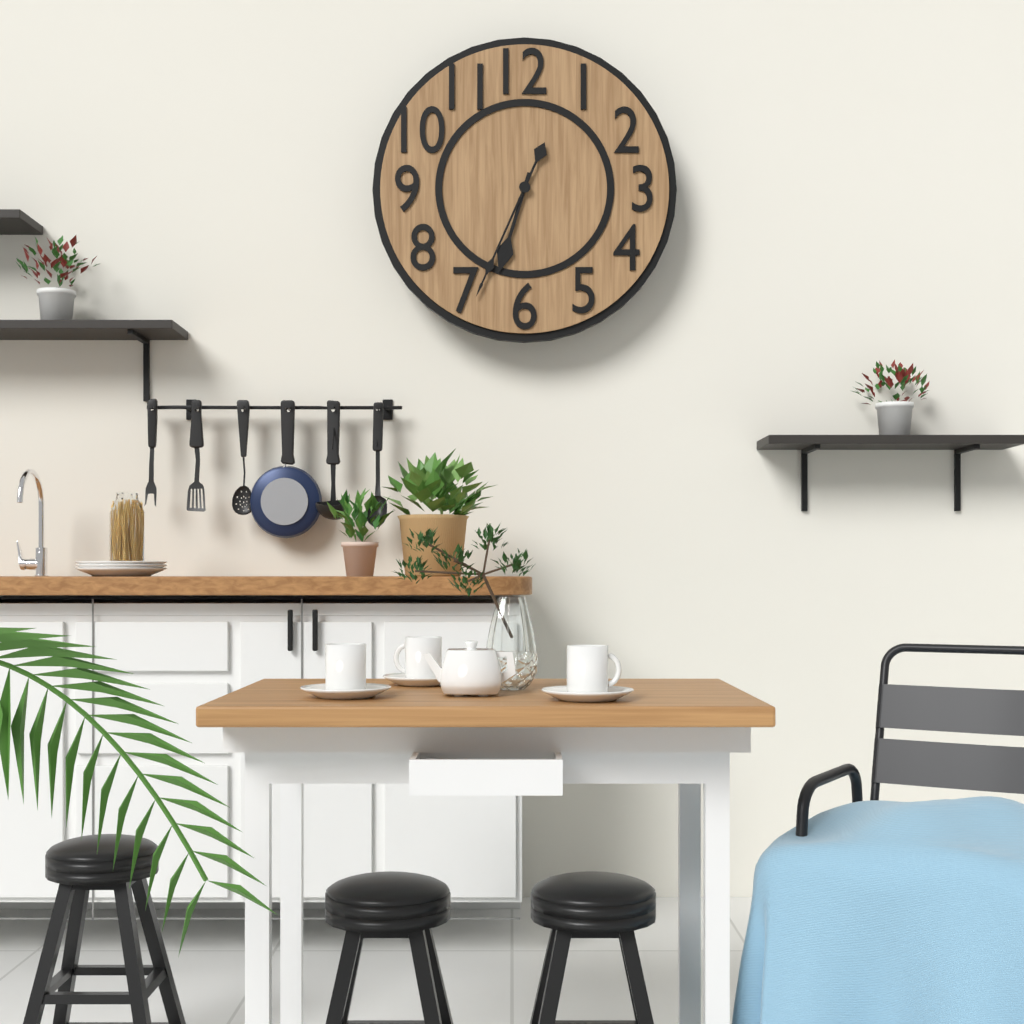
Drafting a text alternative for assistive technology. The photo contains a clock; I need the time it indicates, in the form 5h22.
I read 6h34
